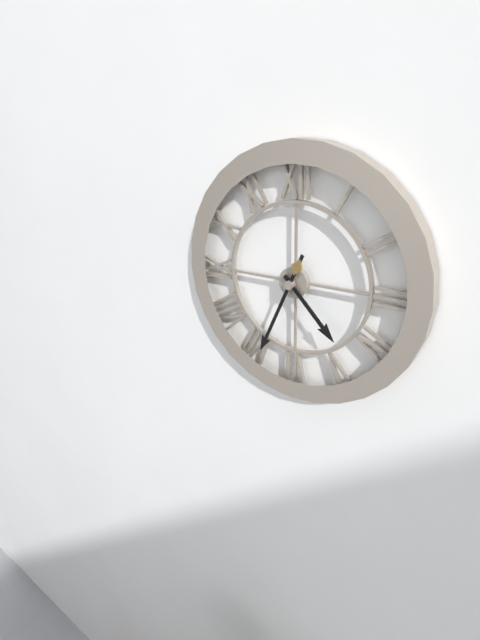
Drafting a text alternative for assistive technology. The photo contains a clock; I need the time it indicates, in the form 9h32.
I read 4h34
